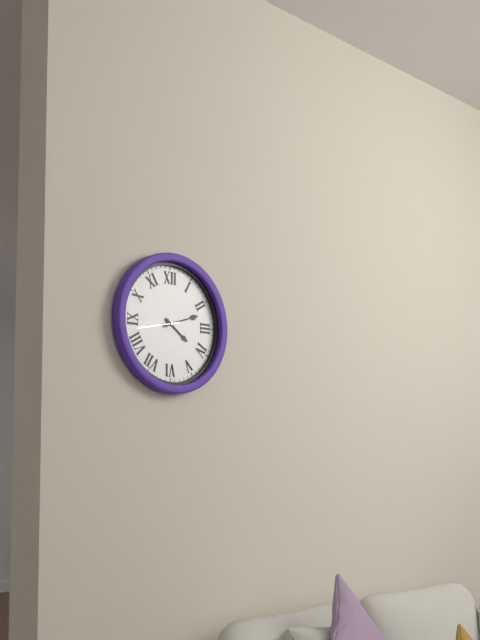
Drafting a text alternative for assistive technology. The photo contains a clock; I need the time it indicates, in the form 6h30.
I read 4h12
